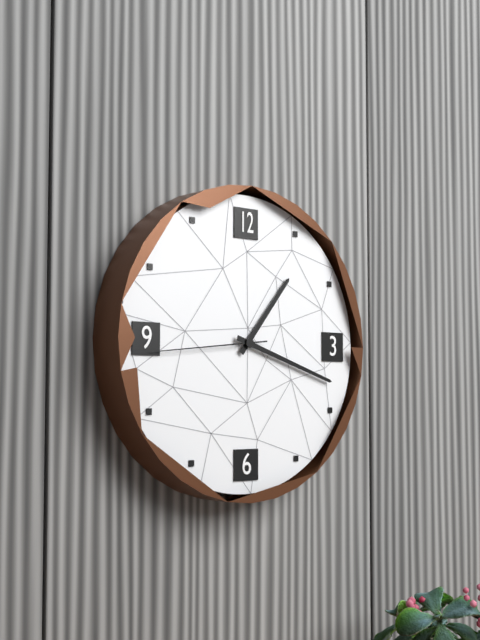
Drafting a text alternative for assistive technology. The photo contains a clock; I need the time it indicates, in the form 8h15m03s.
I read 1h18m44s
